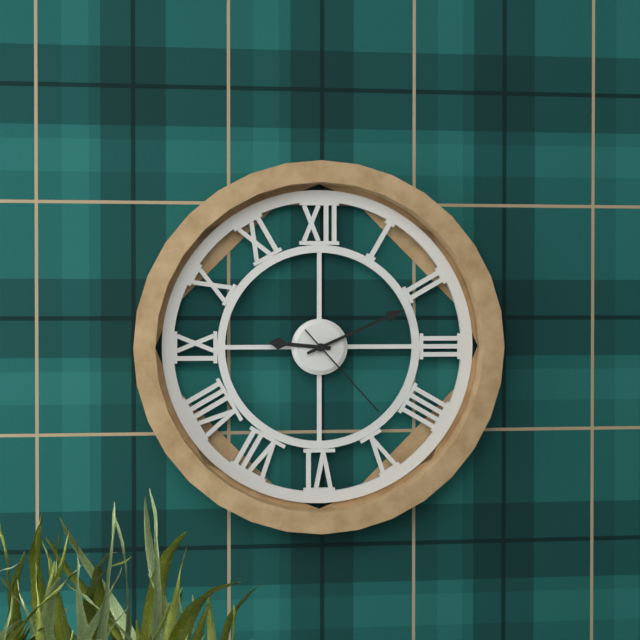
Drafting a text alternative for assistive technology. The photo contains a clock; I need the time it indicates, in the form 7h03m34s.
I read 9h11m23s
